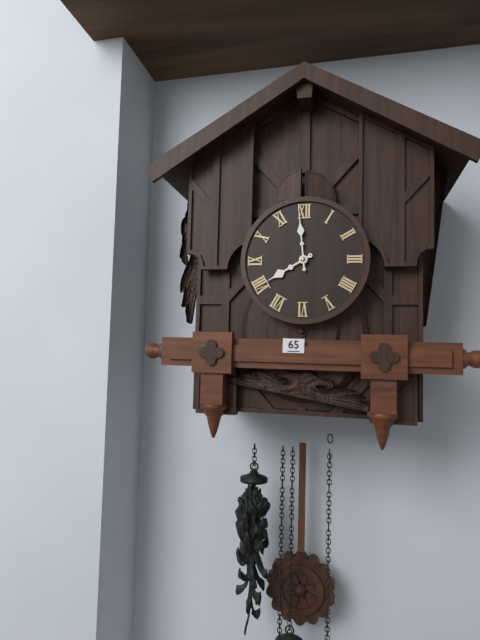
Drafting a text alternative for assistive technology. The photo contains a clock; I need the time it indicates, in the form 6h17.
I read 7h59
